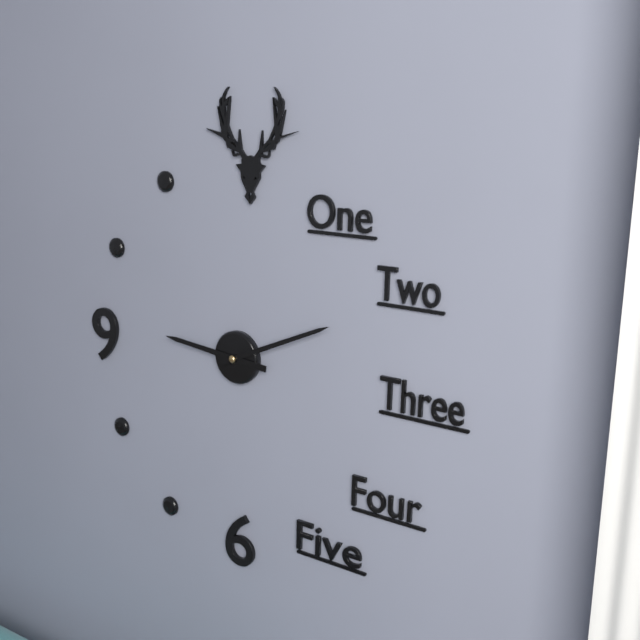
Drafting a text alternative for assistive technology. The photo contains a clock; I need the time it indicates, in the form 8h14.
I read 9h11
